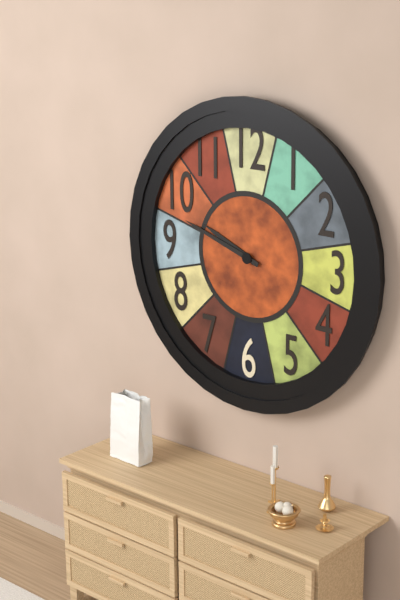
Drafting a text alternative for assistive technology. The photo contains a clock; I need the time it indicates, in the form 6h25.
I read 9h48
